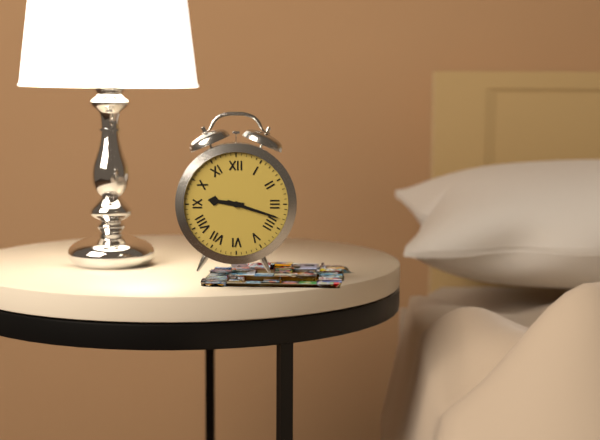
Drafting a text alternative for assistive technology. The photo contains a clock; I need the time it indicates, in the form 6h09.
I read 9h18
